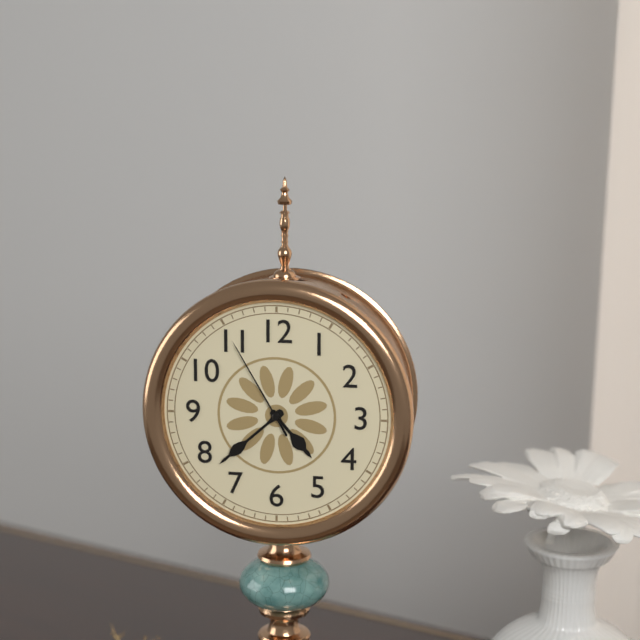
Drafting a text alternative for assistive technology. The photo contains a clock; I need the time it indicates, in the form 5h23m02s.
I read 4h38m55s
